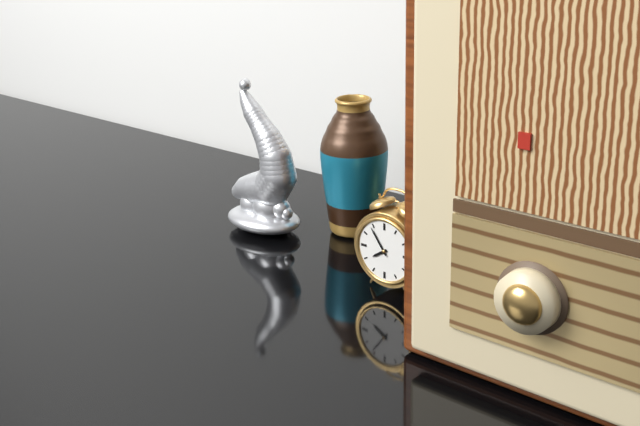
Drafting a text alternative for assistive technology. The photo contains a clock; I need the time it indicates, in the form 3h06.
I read 7h54
